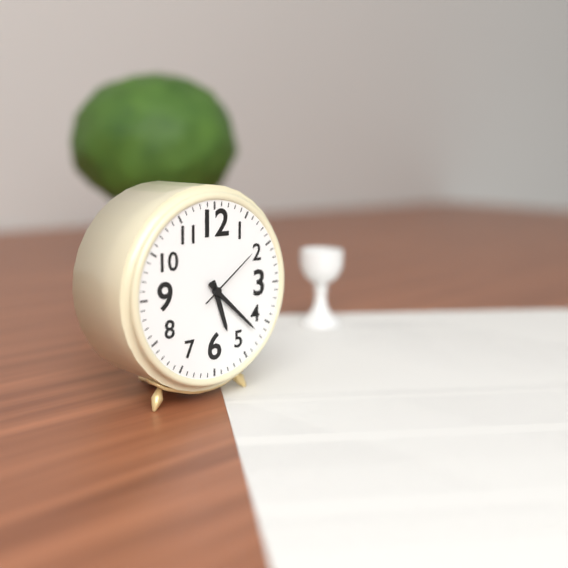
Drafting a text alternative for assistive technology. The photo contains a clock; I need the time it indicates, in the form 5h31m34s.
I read 5h22m09s
